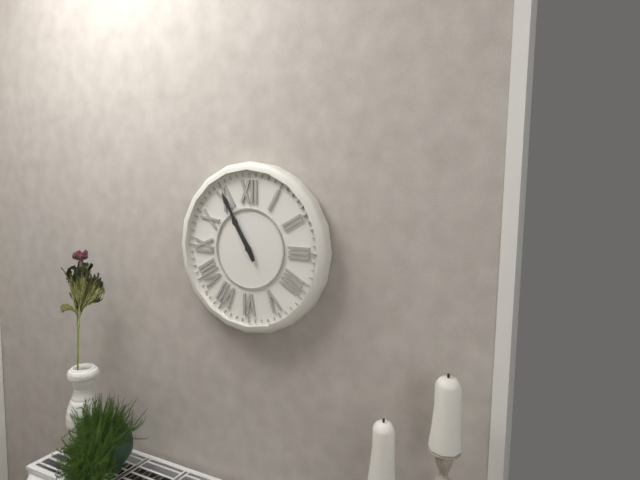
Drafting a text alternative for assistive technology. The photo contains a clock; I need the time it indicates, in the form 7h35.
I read 10h55
